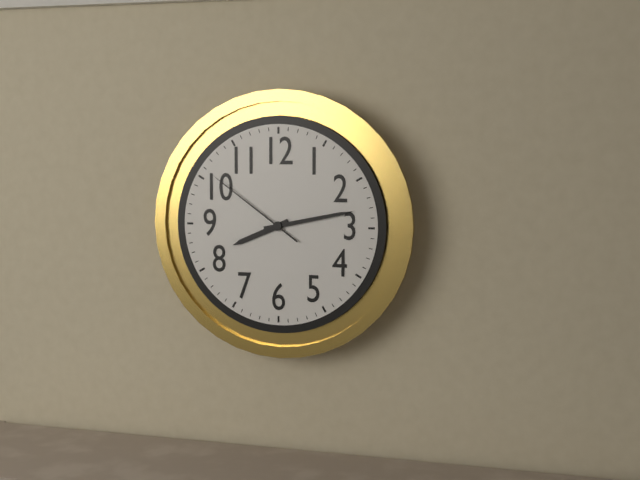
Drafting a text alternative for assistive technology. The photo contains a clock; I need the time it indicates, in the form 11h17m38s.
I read 8h13m51s
